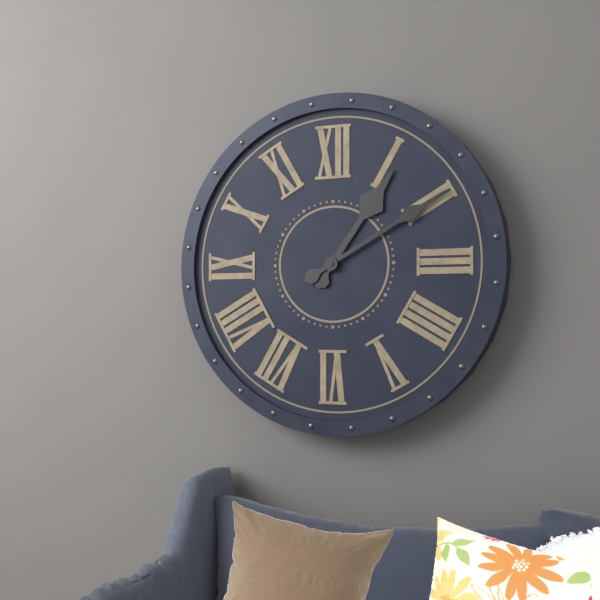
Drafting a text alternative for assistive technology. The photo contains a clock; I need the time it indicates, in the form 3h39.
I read 1h10
